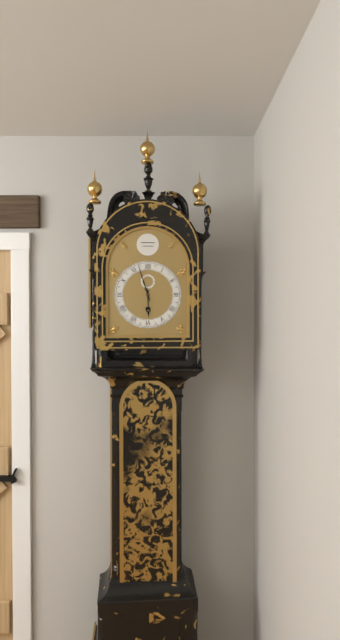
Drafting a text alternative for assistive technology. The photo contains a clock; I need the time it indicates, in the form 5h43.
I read 5h57
